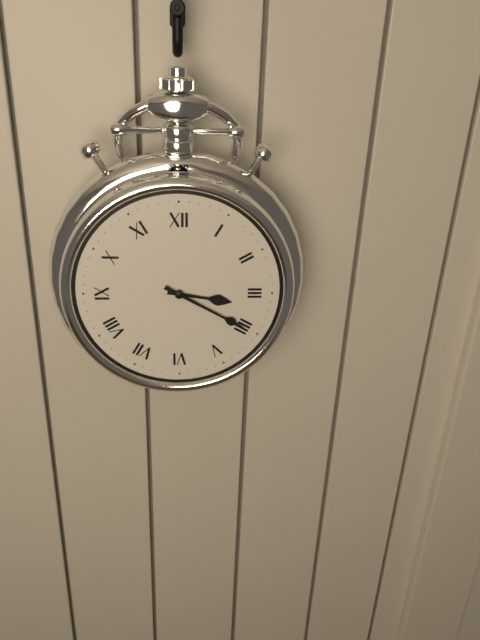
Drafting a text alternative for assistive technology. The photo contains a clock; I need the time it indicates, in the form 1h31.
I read 3h20
